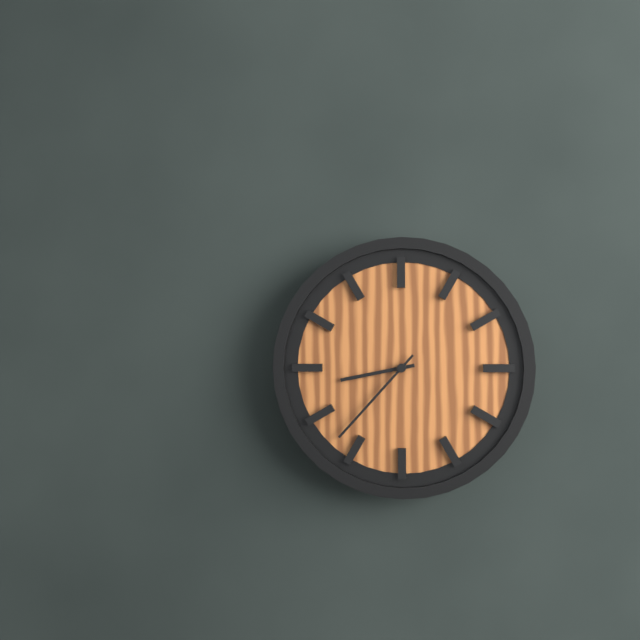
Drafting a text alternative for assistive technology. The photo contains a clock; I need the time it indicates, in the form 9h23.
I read 8h37
